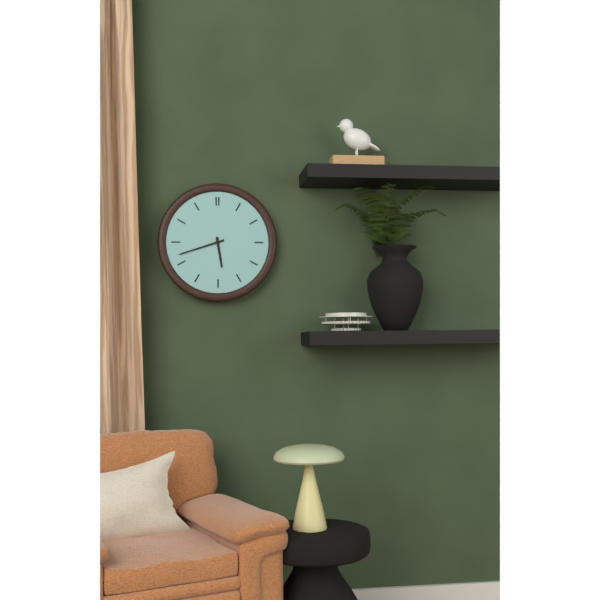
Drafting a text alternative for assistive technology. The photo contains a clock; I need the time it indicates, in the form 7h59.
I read 5h42
